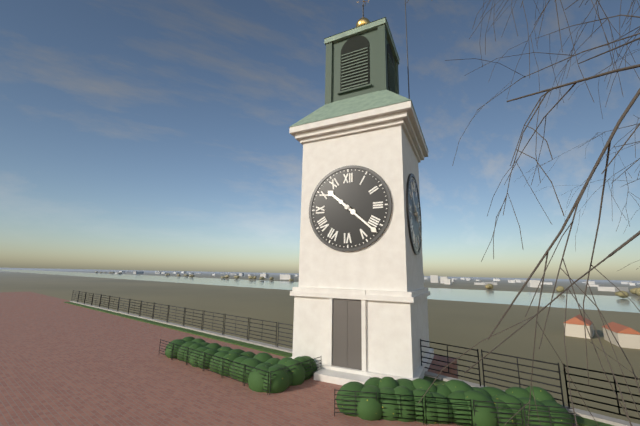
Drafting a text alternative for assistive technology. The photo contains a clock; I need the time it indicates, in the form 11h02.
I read 10h22
